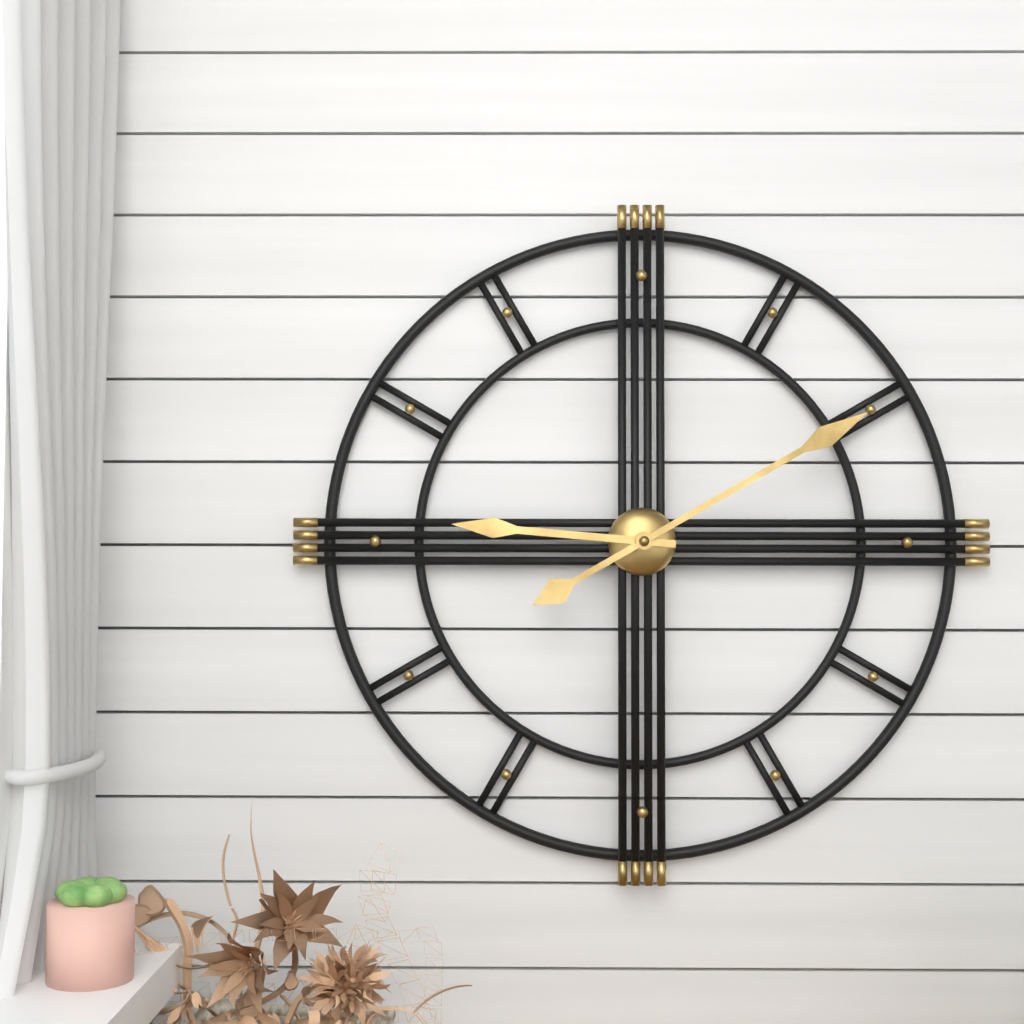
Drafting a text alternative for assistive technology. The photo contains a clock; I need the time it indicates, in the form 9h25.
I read 9h10
